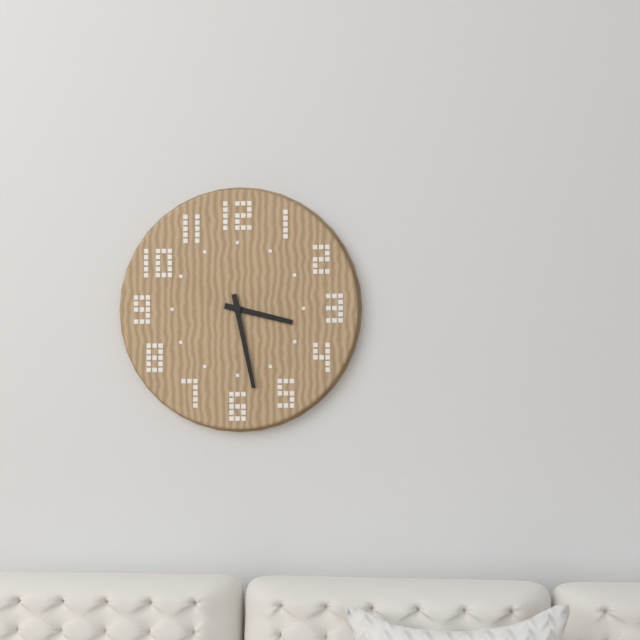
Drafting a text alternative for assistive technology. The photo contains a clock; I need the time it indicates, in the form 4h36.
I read 3h28
